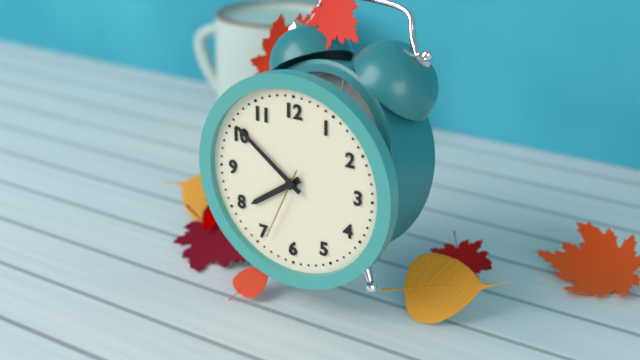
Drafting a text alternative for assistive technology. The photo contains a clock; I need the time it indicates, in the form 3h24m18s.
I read 7h51m34s
